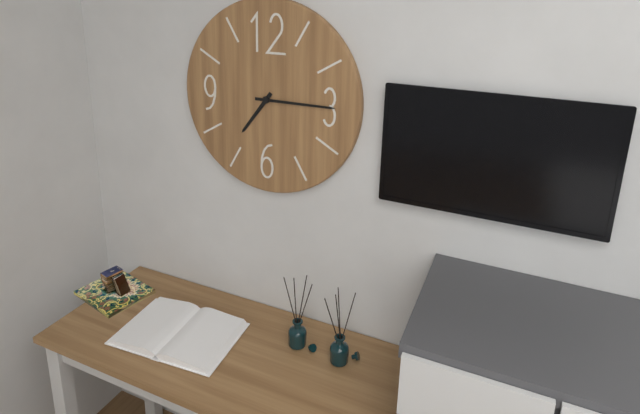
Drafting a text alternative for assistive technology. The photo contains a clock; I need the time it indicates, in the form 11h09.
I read 7h15
